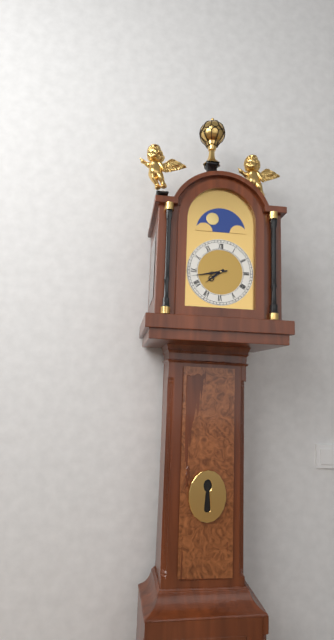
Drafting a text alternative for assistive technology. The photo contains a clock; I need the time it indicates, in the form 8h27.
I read 7h43
